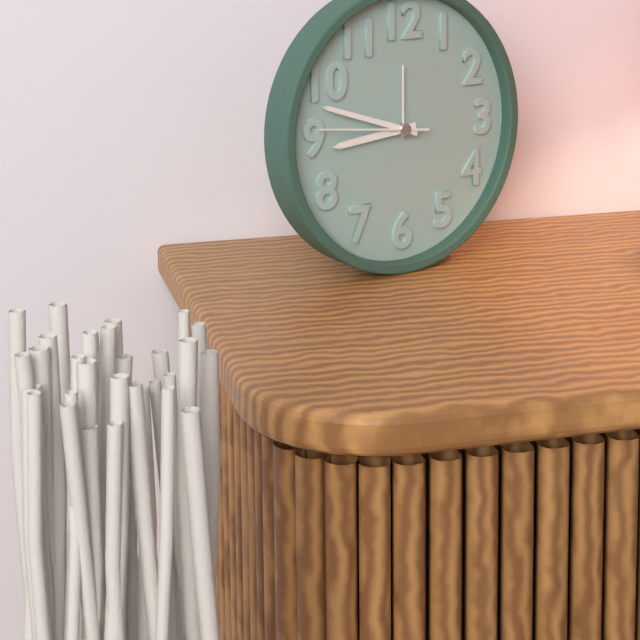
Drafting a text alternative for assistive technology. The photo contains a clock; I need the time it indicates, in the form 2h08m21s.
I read 8h48m46s
